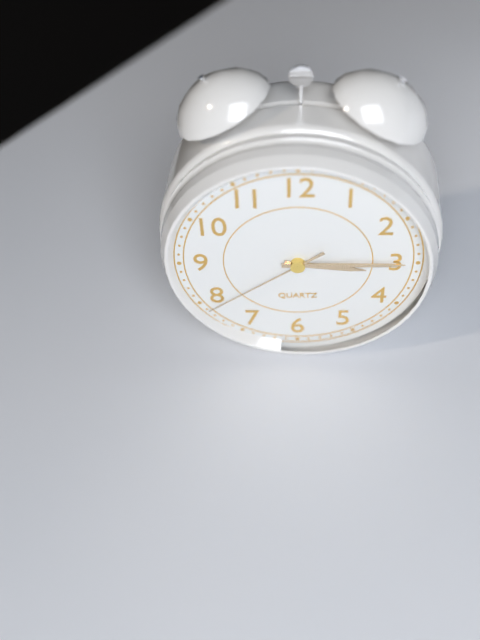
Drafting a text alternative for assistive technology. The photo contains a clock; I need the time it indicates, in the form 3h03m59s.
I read 3h15m39s
